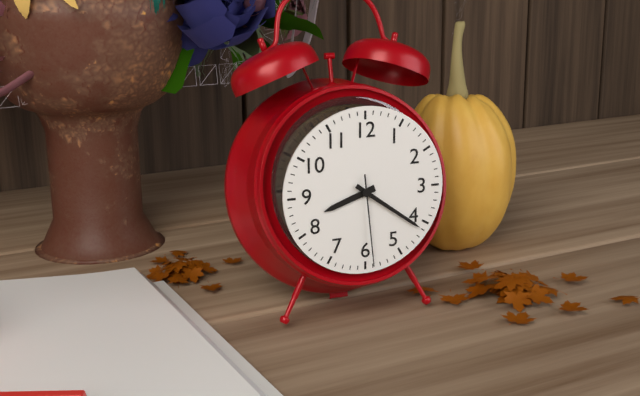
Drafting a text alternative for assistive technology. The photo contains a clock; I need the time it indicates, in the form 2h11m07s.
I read 8h21m29s
